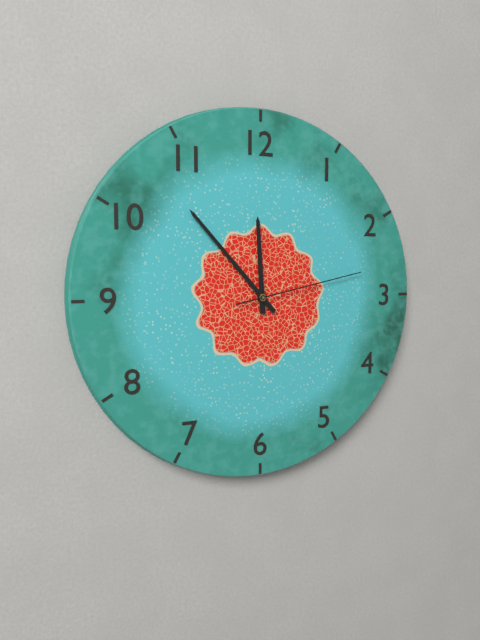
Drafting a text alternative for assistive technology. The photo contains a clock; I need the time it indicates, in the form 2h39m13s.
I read 11h53m13s
